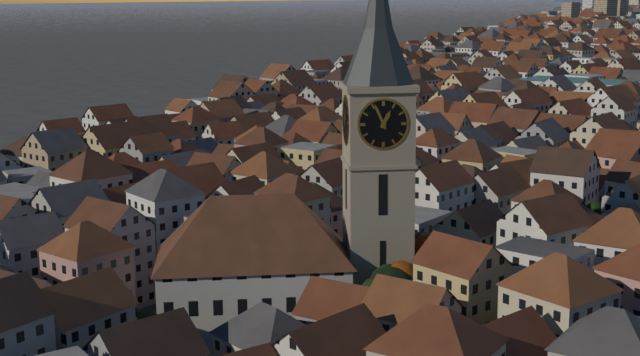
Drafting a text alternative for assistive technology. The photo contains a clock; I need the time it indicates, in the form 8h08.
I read 12h56
